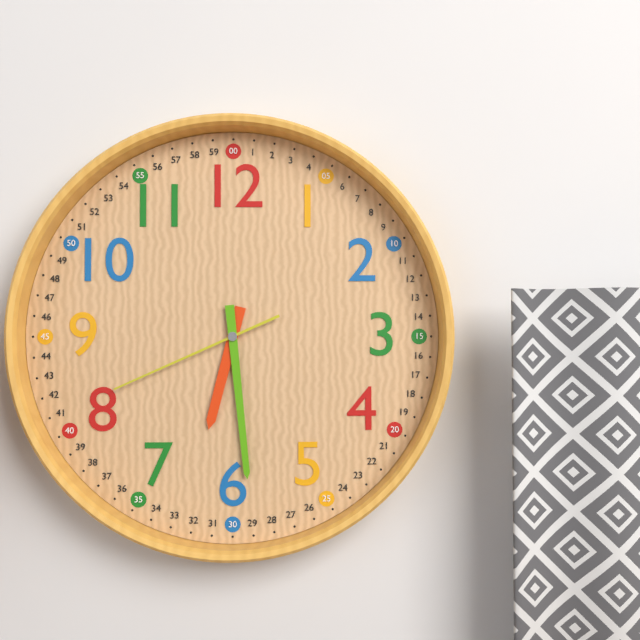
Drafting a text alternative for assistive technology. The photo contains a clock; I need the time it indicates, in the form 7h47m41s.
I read 6h29m41s
